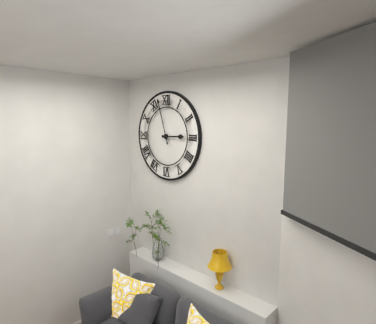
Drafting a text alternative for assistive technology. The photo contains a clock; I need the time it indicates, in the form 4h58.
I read 2h57
